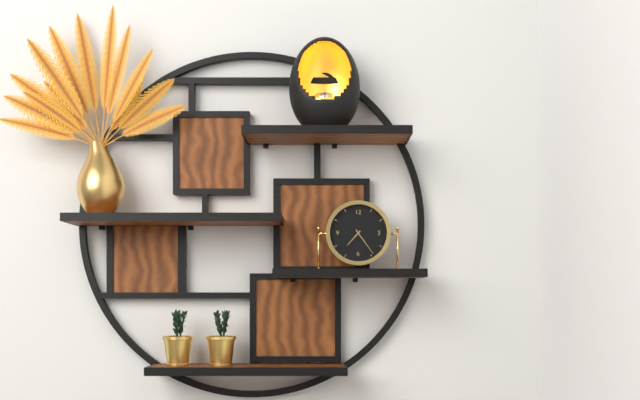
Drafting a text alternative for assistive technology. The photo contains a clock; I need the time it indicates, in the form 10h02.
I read 7h24
